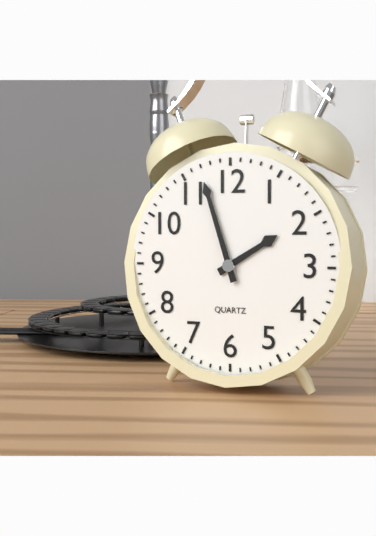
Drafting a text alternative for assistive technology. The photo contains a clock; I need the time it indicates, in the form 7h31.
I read 1h57
